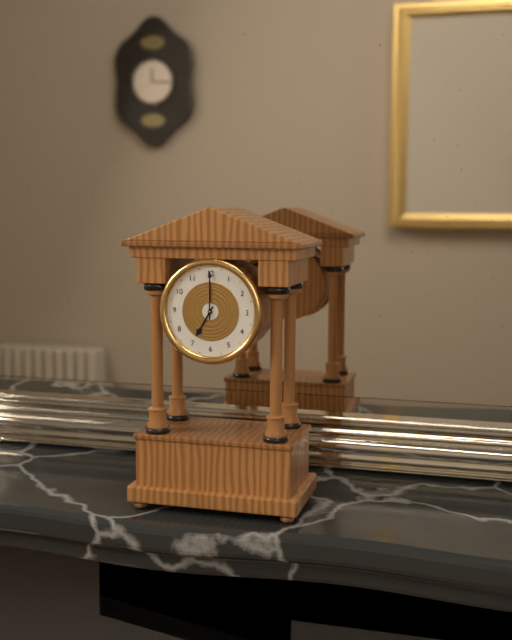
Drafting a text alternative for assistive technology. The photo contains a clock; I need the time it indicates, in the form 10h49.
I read 7h00
